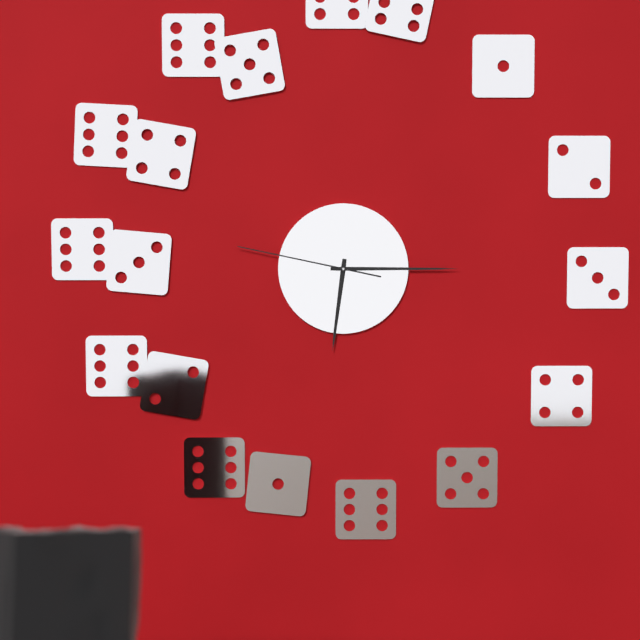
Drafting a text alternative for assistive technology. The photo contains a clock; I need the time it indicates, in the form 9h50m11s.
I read 6h15m47s
